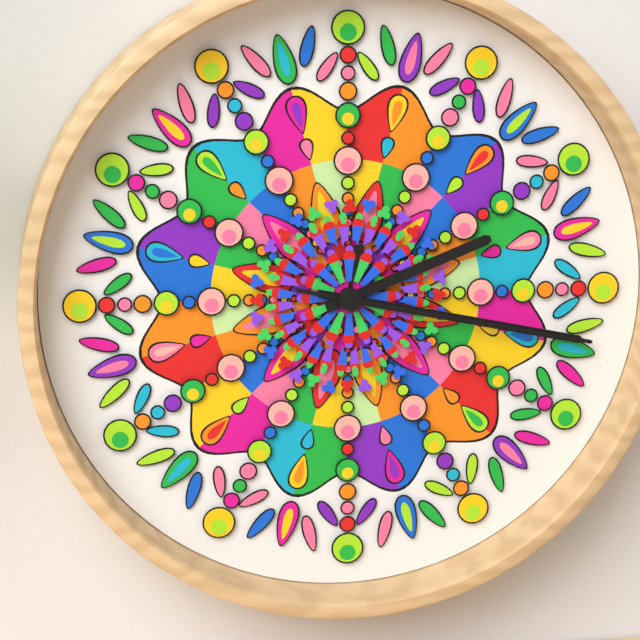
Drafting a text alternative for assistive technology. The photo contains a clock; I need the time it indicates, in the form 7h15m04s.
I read 2h17m17s
